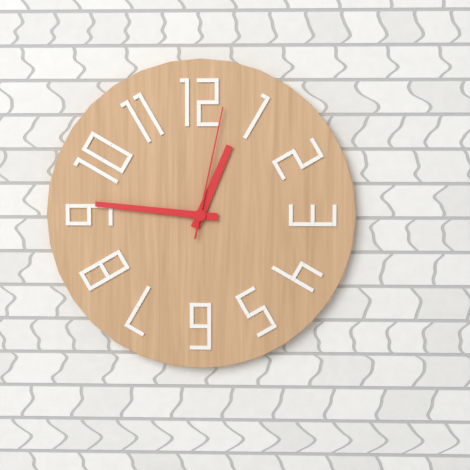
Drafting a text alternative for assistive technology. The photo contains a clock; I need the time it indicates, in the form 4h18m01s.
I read 12h46m02s
